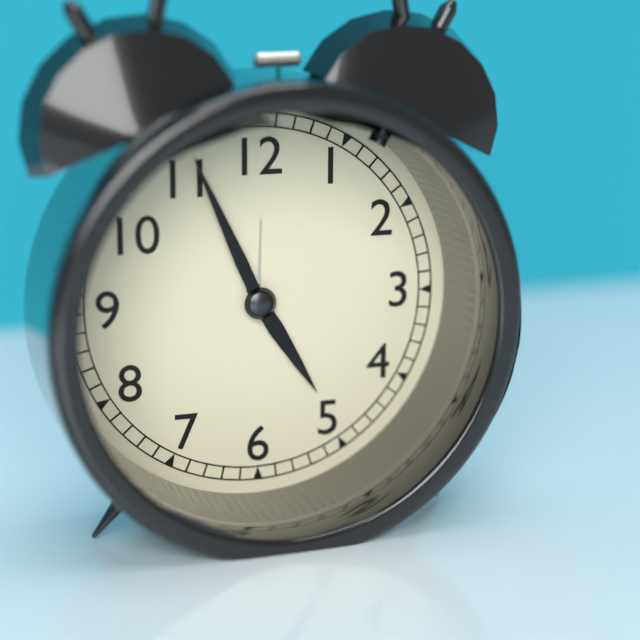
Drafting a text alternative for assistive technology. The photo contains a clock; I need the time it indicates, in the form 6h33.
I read 4h56
